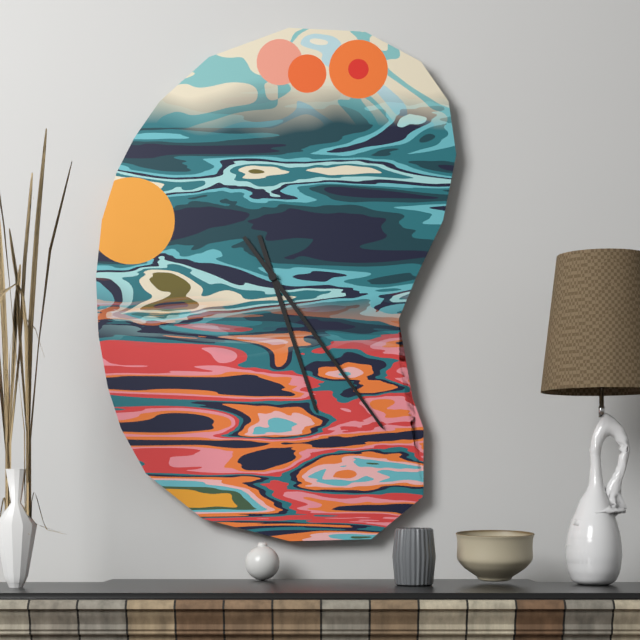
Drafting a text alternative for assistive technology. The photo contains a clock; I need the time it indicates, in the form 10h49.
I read 5h24
